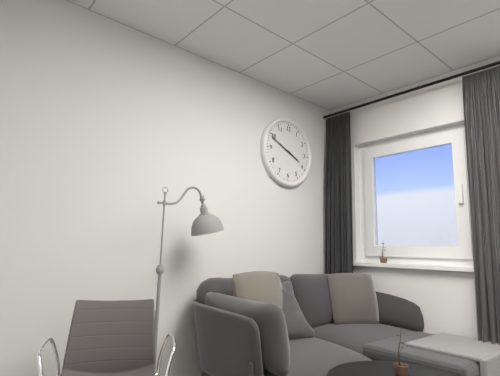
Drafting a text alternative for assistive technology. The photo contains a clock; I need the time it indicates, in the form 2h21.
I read 3h49
